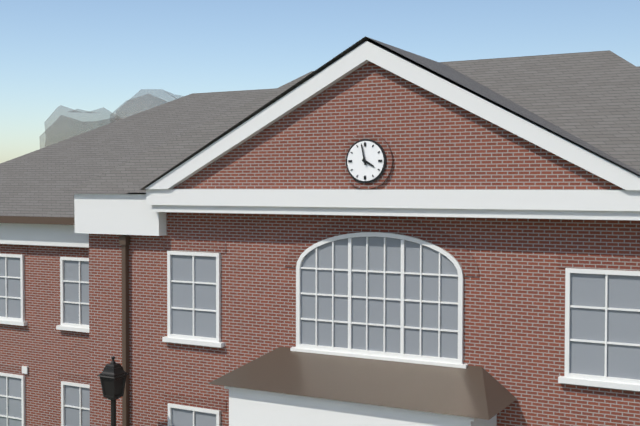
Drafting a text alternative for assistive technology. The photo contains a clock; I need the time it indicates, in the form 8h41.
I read 3h58
